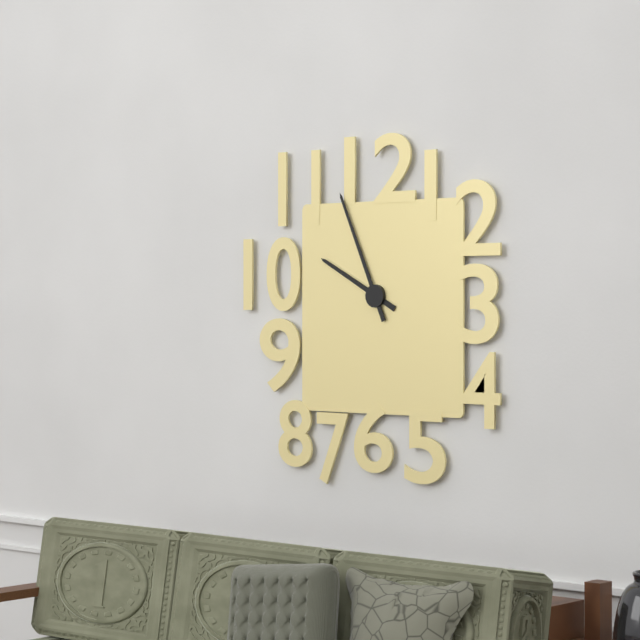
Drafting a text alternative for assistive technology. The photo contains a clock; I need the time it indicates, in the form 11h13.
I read 9h56
